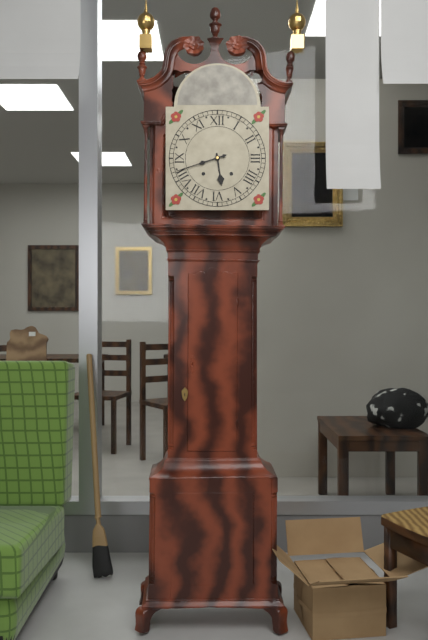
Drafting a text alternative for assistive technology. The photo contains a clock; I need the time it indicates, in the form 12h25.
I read 5h42
